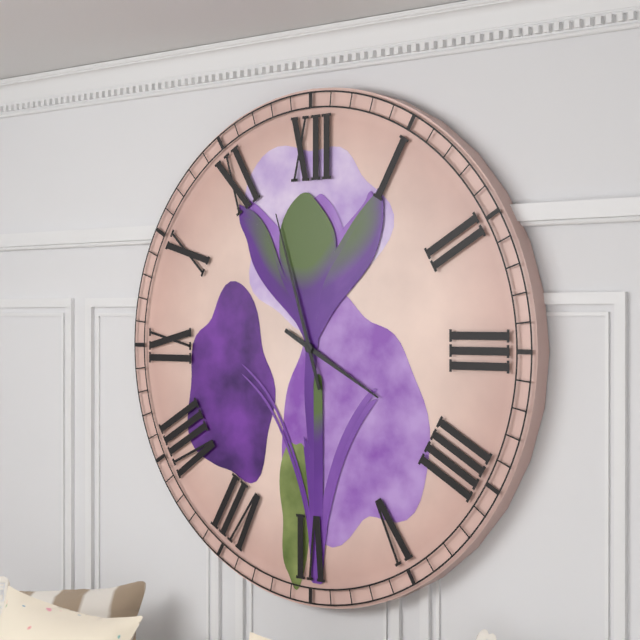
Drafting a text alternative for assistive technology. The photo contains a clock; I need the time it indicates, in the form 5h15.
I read 3h57
